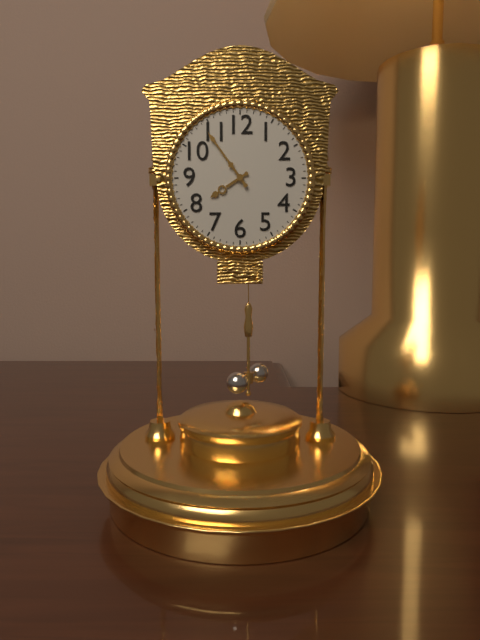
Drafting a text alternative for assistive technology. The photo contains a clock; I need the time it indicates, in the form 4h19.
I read 7h54
